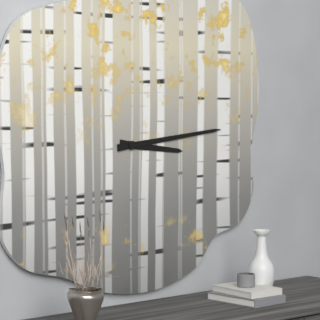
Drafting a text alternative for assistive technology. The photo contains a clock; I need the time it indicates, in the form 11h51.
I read 3h14
